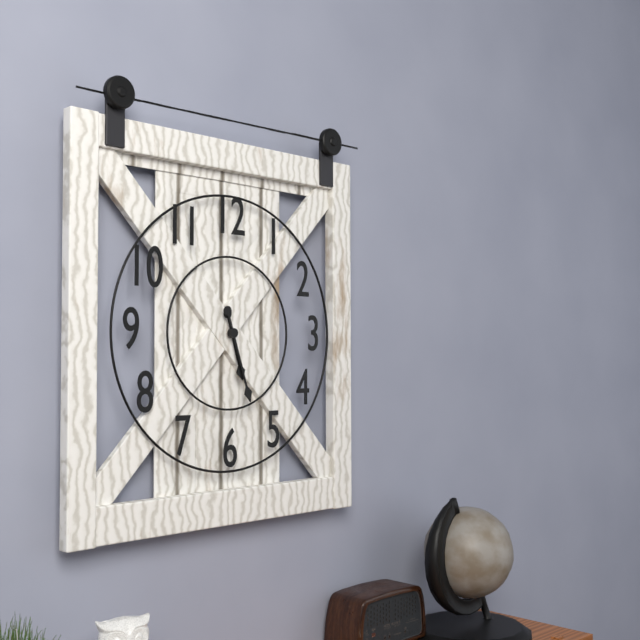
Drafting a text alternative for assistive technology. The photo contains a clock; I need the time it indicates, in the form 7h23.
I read 5h27
